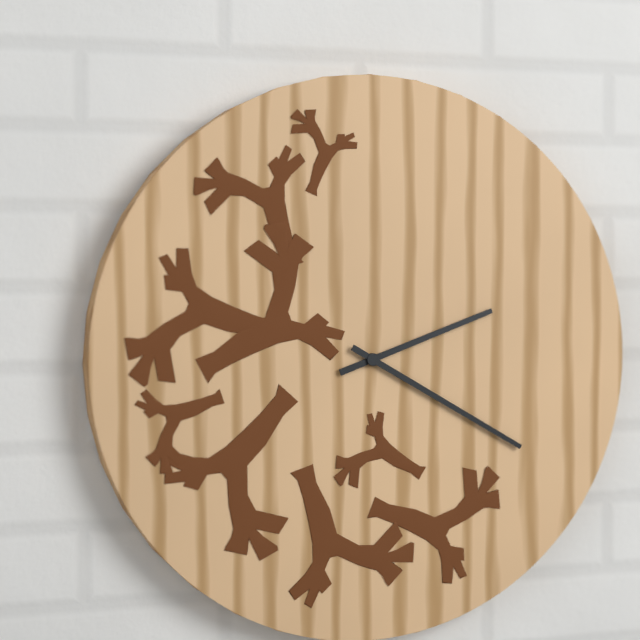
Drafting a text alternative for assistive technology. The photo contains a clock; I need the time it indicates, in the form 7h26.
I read 2h20
